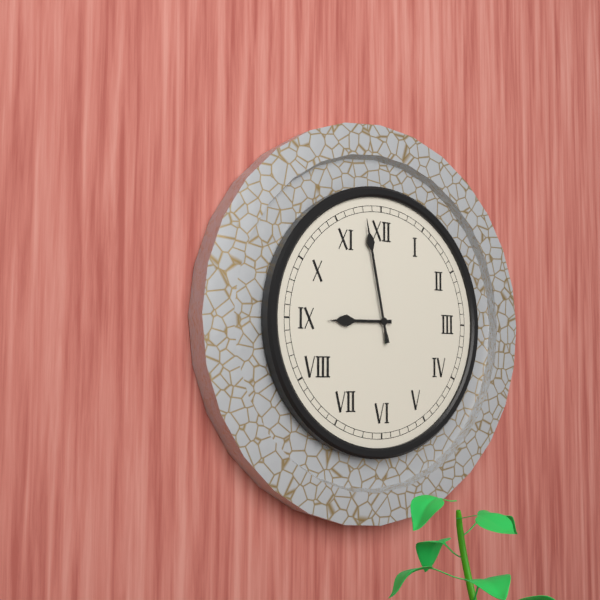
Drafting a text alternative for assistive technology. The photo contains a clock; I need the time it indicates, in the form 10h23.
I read 8h58
